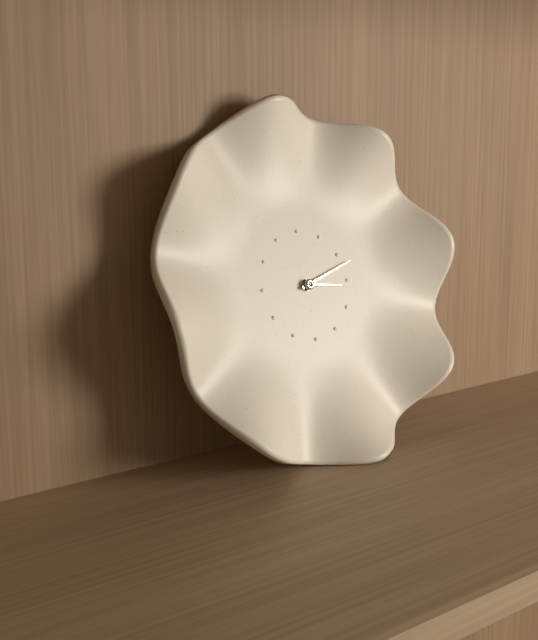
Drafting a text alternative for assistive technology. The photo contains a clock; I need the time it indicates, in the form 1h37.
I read 3h12
